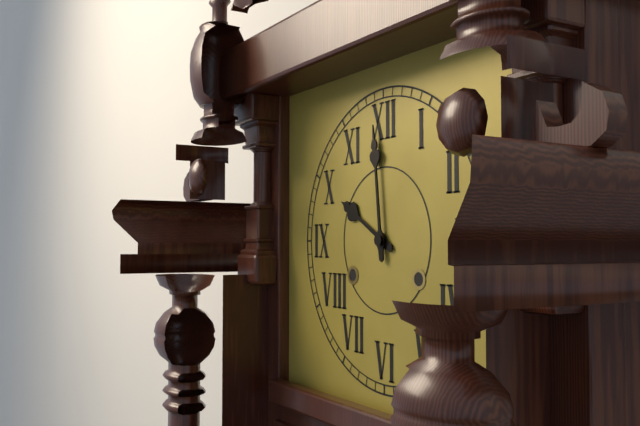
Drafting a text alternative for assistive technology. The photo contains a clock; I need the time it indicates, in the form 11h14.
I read 9h59
